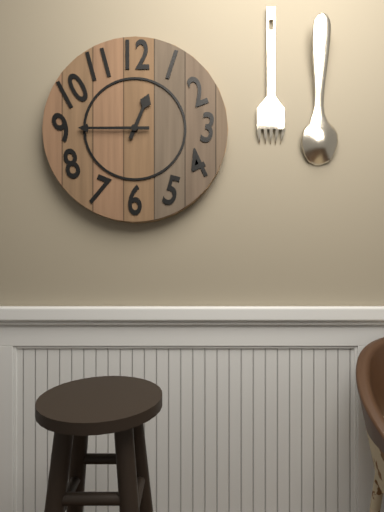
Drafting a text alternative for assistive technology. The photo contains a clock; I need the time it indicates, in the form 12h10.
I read 12h45
